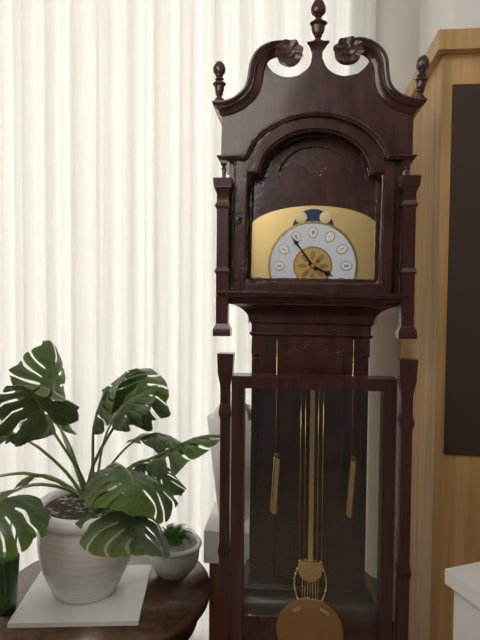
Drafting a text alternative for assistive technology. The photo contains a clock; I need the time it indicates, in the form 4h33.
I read 3h54
